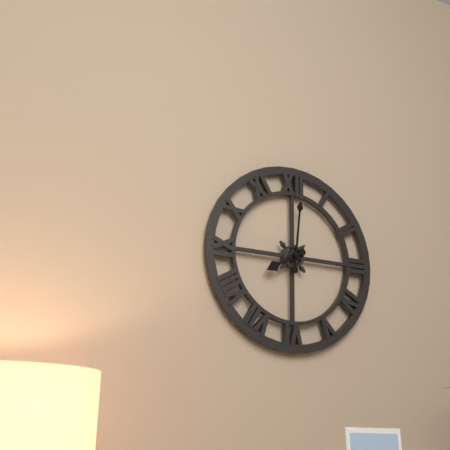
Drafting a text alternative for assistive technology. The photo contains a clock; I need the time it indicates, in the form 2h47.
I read 8h01
